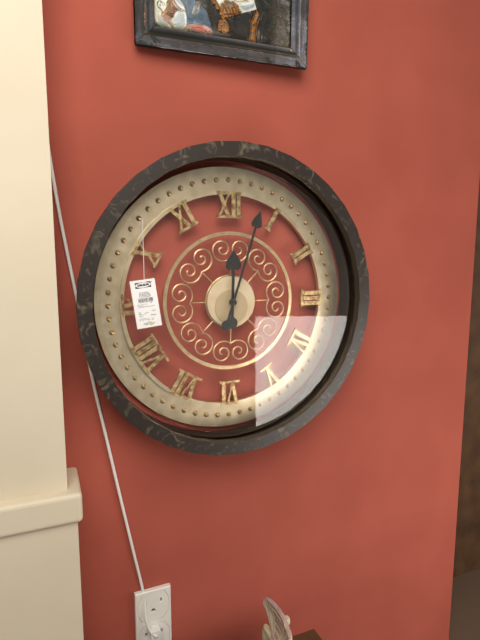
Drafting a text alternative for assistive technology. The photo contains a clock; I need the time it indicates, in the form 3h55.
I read 12h03
